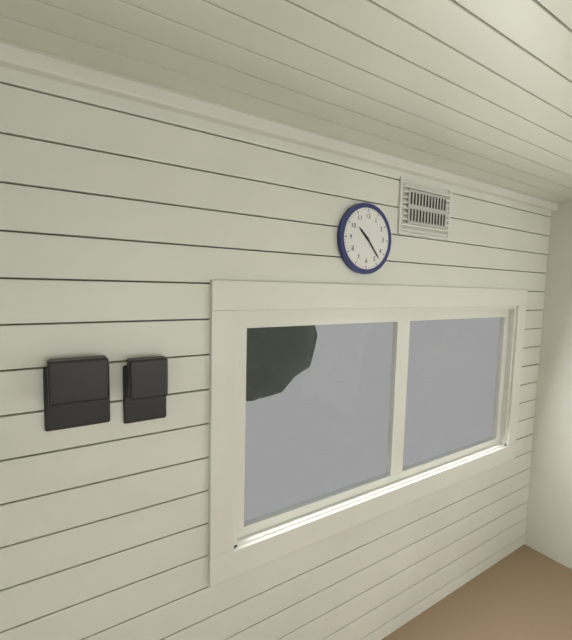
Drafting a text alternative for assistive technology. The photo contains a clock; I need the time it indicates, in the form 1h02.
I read 10h23
